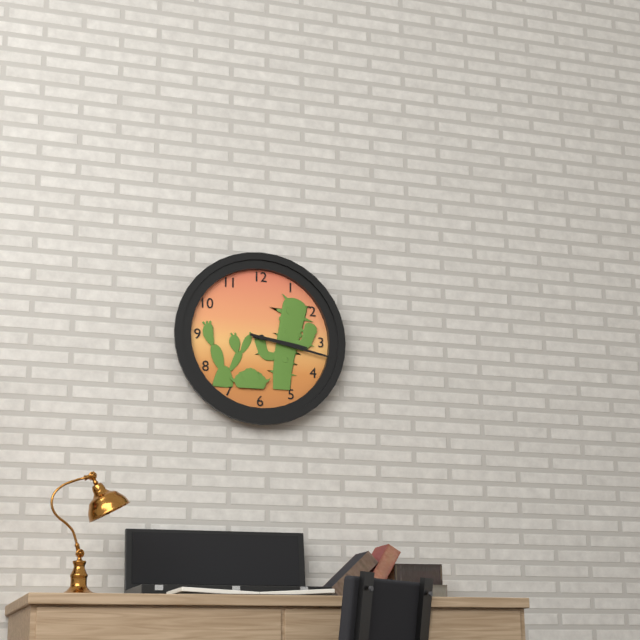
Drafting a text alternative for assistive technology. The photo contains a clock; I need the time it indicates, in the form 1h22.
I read 3h17
